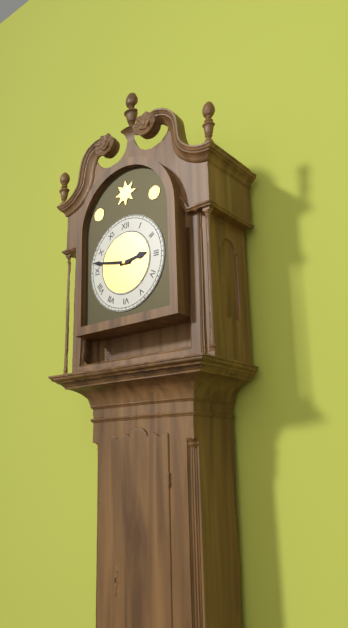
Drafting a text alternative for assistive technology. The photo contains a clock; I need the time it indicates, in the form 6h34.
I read 2h47
